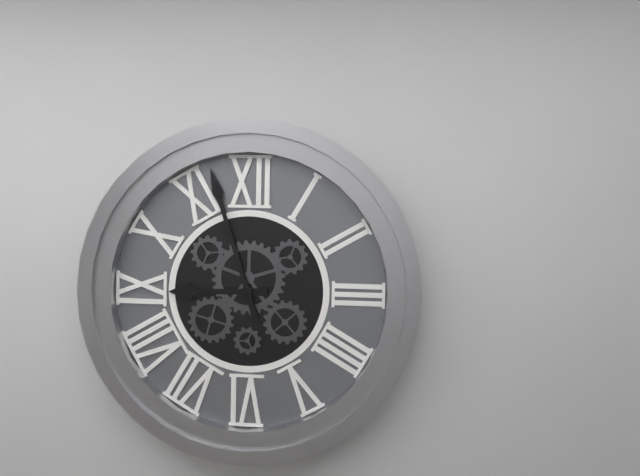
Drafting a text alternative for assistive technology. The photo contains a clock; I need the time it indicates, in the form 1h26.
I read 8h57
